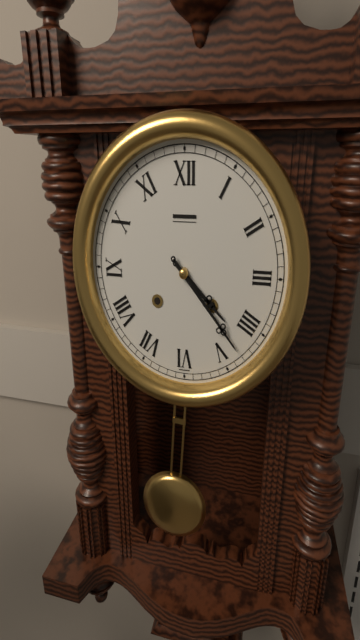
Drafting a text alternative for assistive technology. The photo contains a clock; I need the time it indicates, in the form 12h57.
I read 4h23
